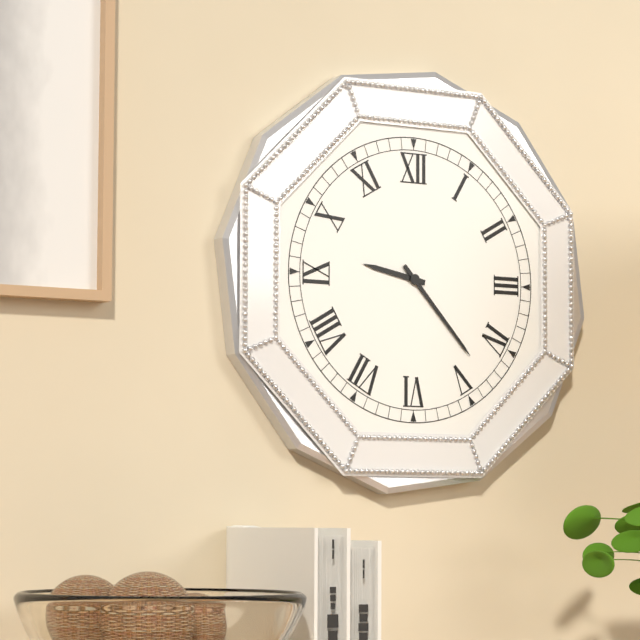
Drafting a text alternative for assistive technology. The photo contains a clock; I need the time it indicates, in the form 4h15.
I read 9h23
